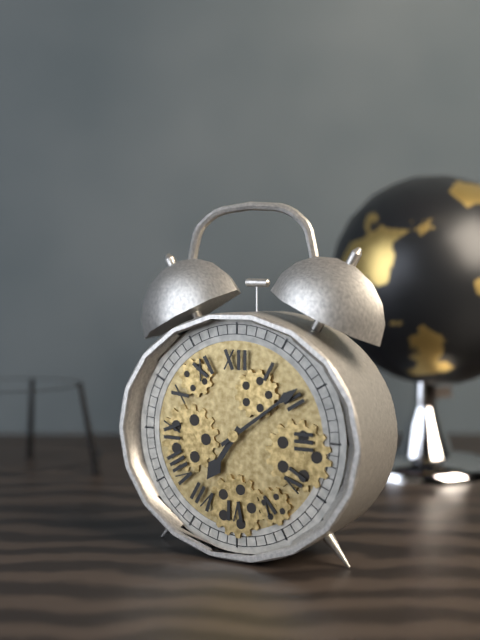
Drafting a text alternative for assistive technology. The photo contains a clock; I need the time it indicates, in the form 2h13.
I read 7h09
